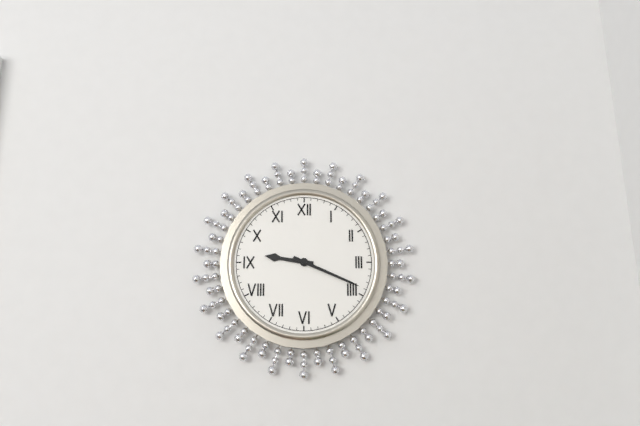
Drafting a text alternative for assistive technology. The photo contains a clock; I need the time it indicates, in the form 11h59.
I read 9h19
